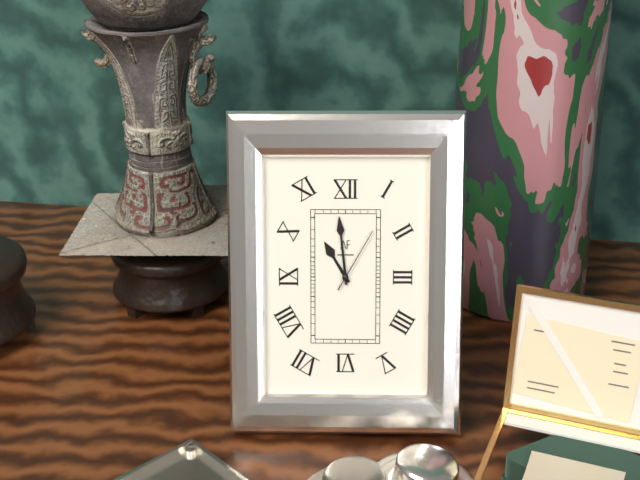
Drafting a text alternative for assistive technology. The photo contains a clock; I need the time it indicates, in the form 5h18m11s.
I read 10h59m05s
